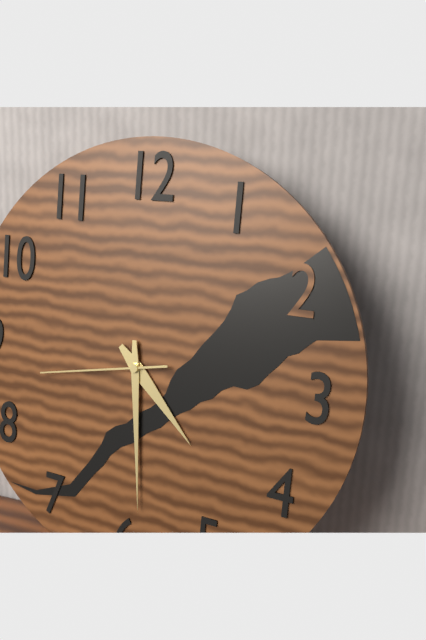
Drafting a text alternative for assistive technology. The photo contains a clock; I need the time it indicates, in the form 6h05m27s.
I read 4h29m43s
